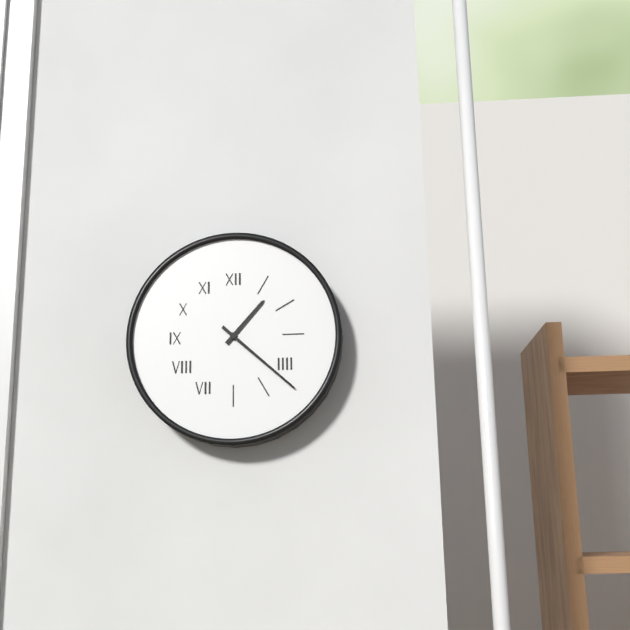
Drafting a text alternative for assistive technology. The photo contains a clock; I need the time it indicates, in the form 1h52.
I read 1h22
